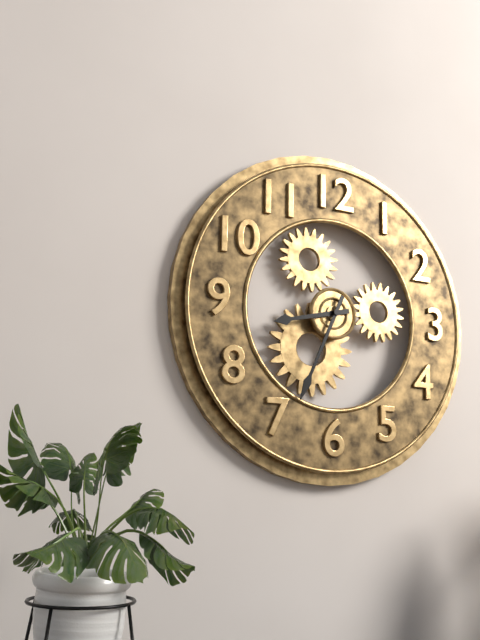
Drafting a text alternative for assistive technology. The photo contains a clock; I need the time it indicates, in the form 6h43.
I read 8h34
